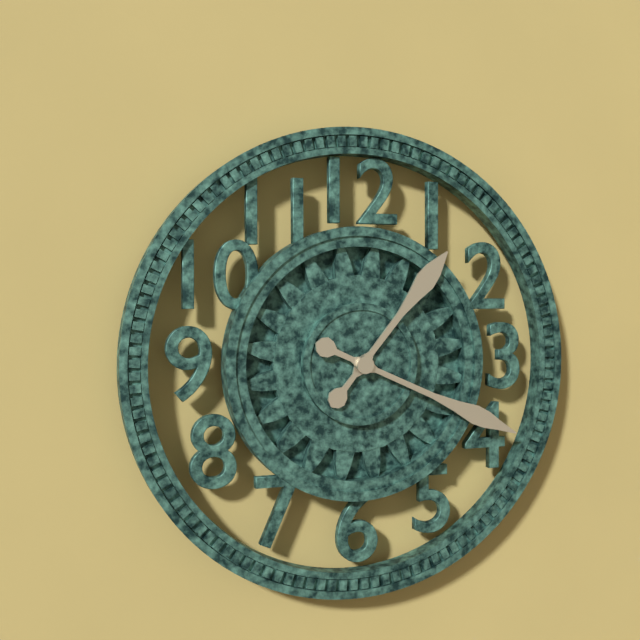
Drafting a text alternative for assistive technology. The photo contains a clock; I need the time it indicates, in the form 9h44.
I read 1h19
